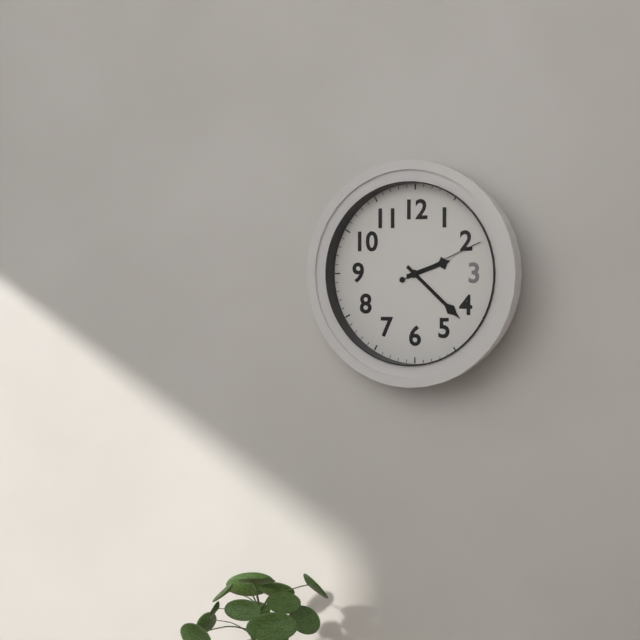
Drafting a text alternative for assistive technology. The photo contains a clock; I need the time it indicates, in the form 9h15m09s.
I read 2h22m11s
